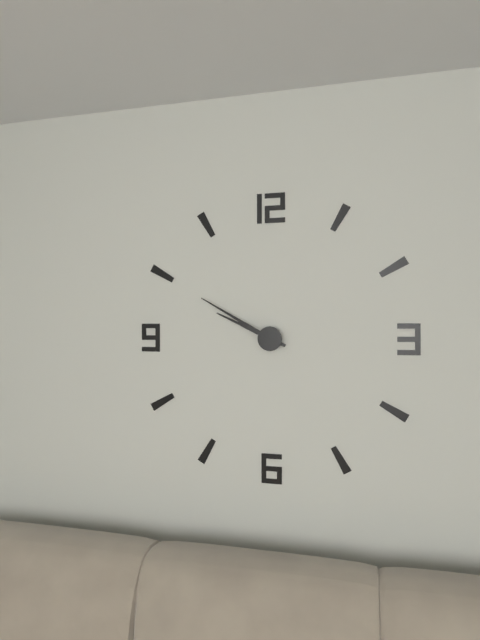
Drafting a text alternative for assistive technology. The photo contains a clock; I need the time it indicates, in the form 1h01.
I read 9h50
